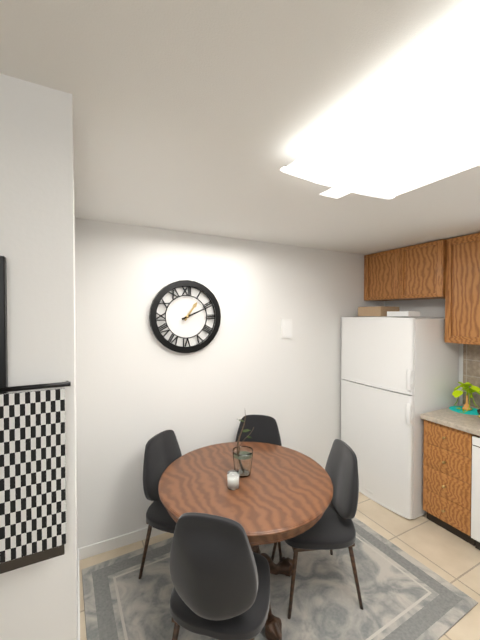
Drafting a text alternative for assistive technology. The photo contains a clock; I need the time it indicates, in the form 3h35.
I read 1h11
